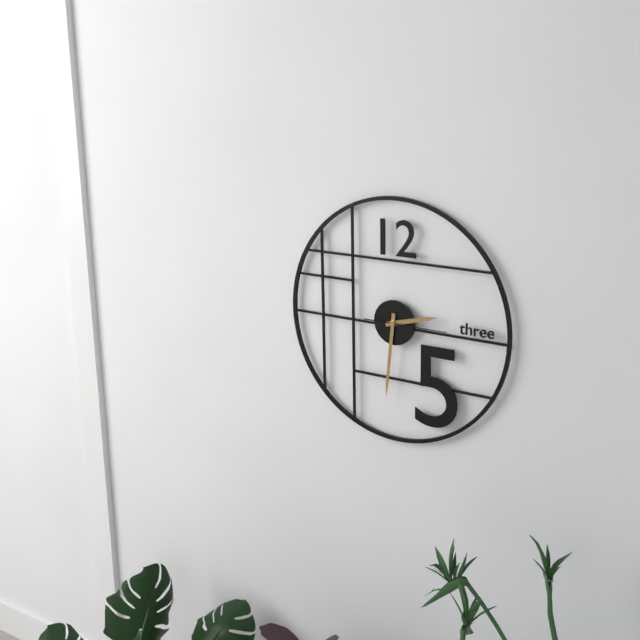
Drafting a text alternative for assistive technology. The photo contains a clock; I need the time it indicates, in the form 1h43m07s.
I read 2h31m15s
